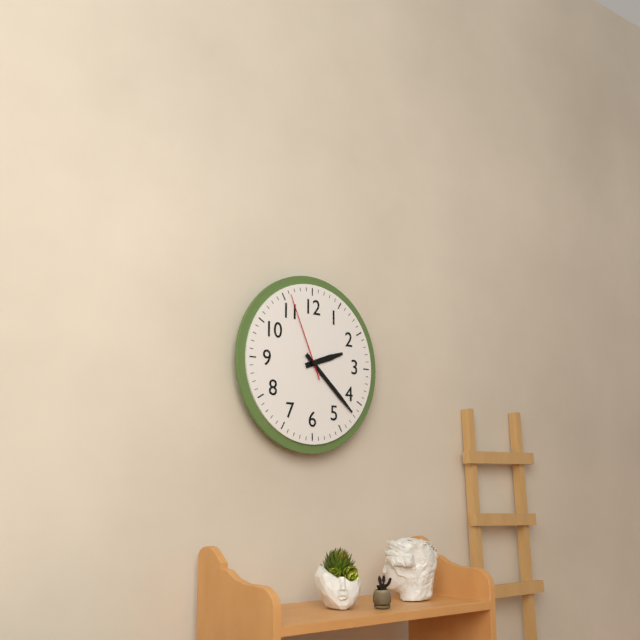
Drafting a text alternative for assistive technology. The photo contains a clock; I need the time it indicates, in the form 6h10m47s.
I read 2h22m56s
